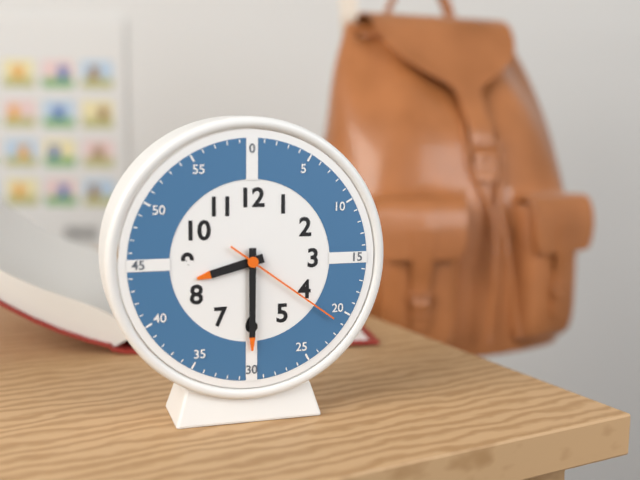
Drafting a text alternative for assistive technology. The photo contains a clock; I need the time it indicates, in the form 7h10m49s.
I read 8h30m21s
